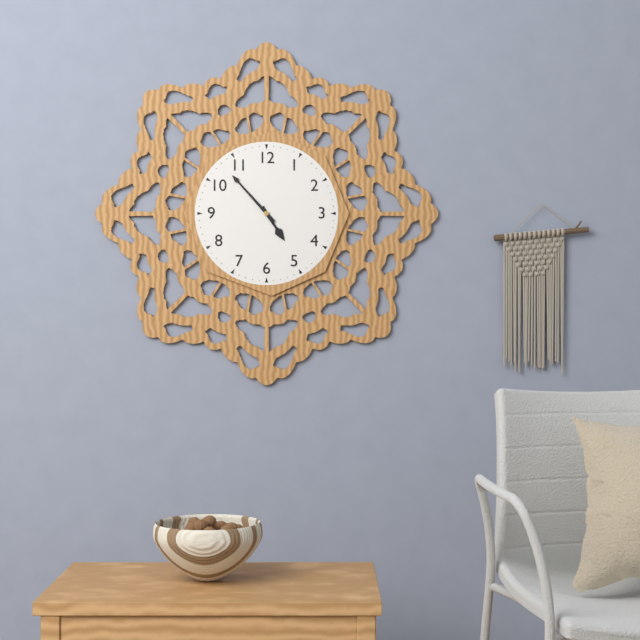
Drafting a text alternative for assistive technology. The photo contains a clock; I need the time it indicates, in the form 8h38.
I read 4h53
